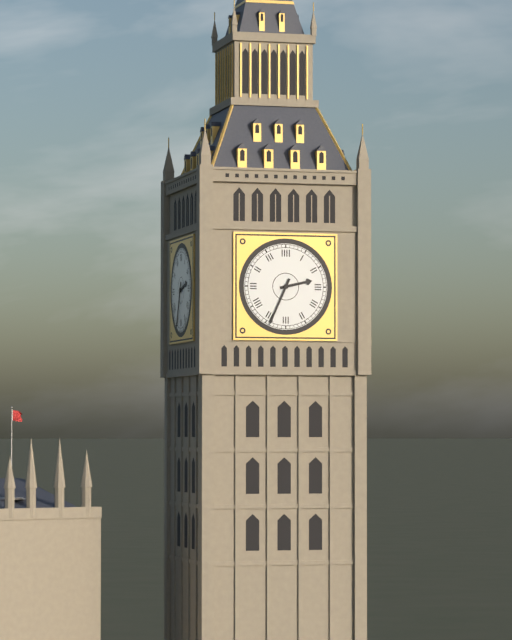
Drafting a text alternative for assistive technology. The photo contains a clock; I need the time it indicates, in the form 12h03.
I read 2h34
